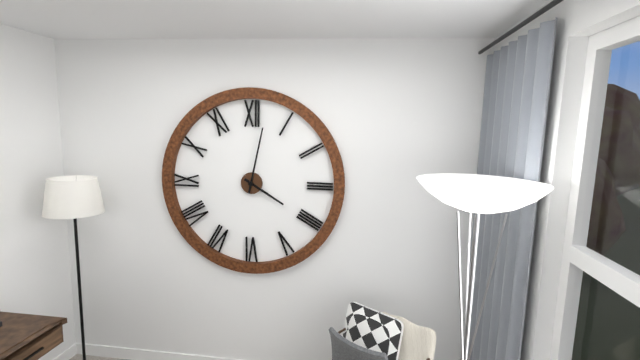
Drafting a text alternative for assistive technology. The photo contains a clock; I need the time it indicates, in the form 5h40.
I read 4h02
